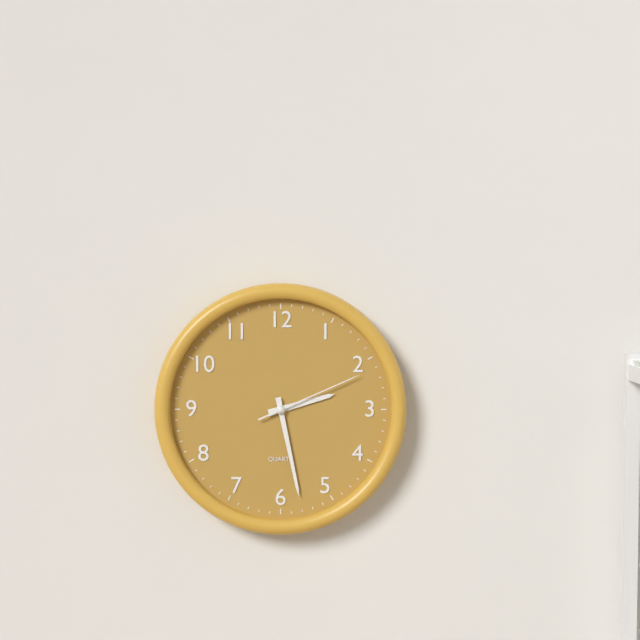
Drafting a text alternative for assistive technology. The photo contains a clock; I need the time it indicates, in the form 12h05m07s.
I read 2h28m11s
